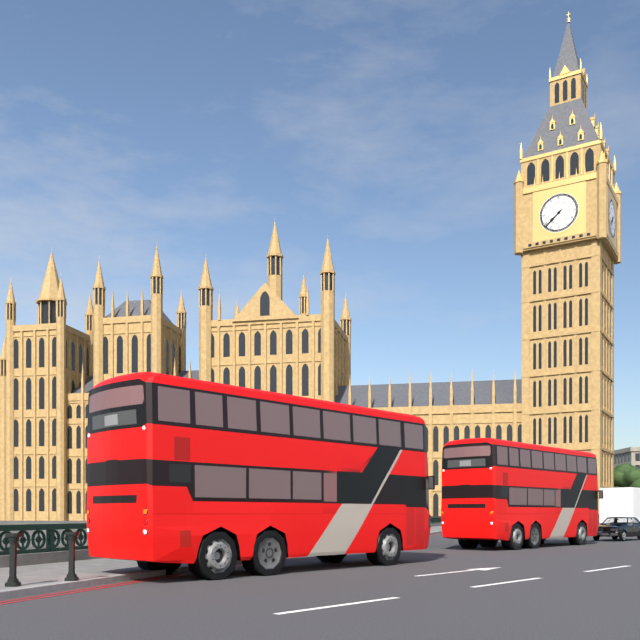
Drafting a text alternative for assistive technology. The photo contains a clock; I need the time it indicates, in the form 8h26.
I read 7h38
